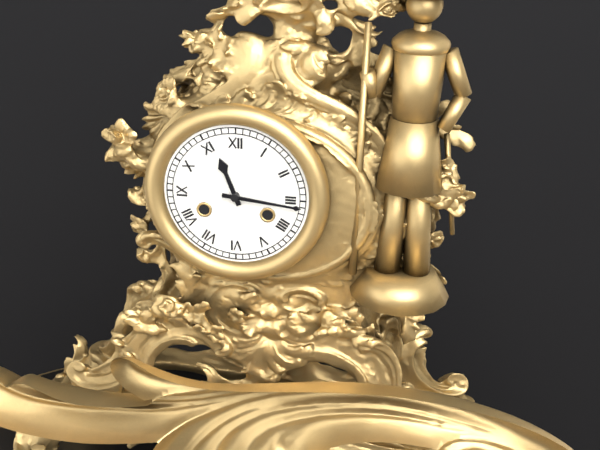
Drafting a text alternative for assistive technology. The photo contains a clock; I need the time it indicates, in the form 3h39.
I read 11h16
